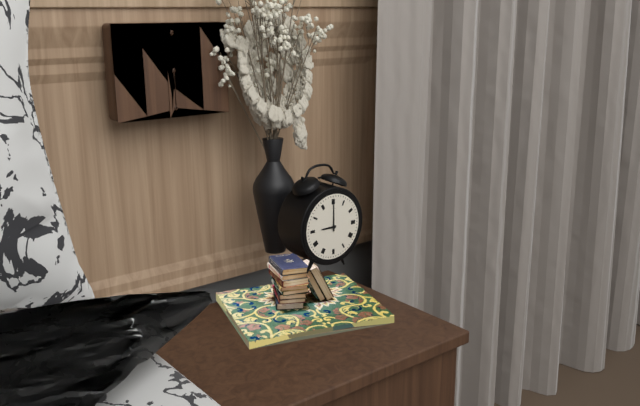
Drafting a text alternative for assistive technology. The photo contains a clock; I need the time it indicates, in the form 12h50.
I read 9h00
